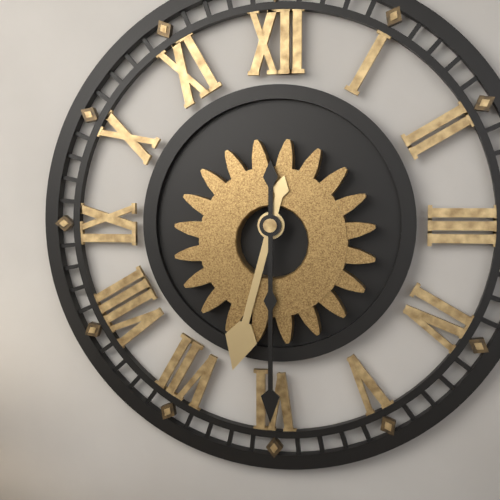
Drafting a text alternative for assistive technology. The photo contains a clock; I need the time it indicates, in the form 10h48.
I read 6h30
